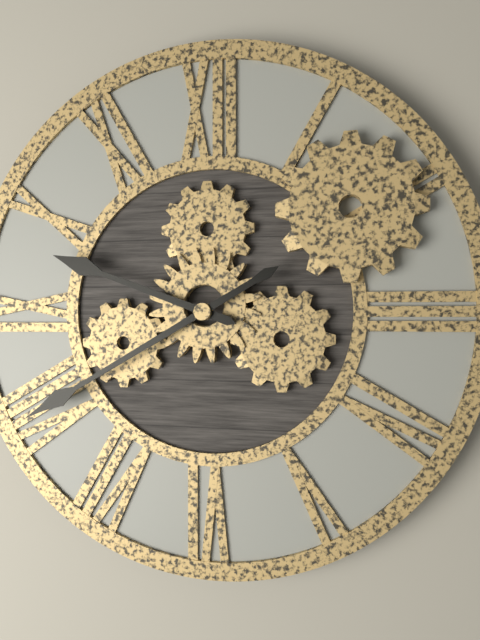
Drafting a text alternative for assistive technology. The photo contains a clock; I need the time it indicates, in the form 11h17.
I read 9h40
